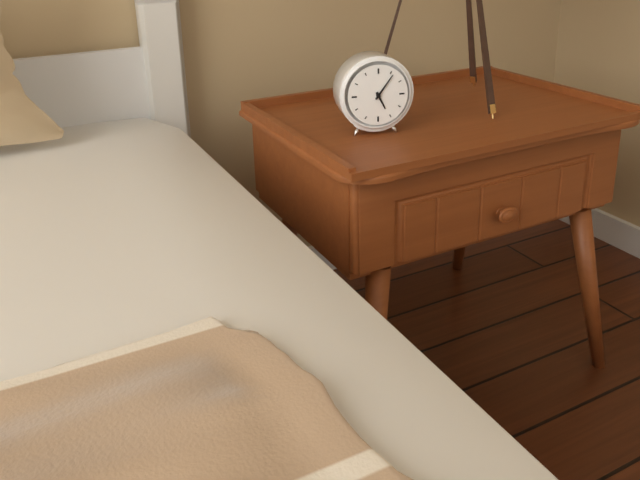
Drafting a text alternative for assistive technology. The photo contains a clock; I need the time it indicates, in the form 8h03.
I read 5h06
